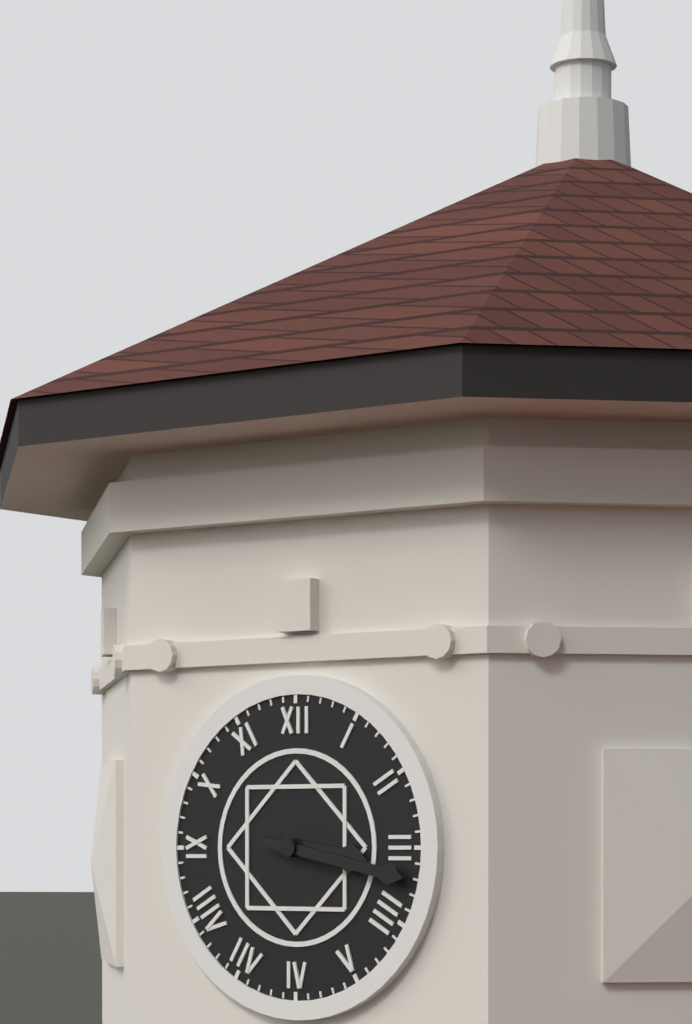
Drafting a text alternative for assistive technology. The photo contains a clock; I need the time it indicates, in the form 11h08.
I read 3h17
